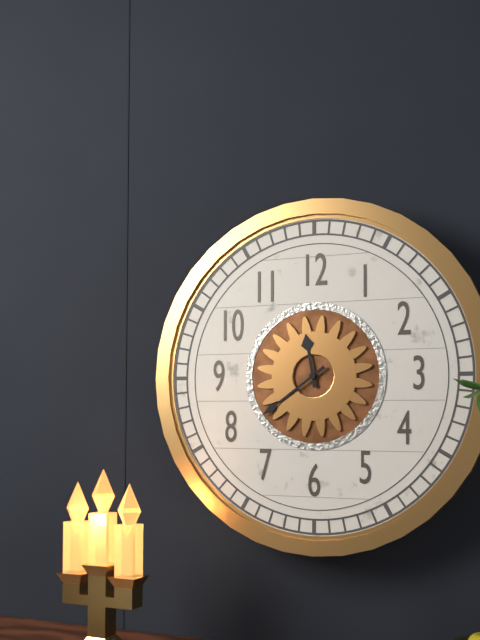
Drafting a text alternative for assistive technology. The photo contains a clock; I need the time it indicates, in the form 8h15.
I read 11h39
